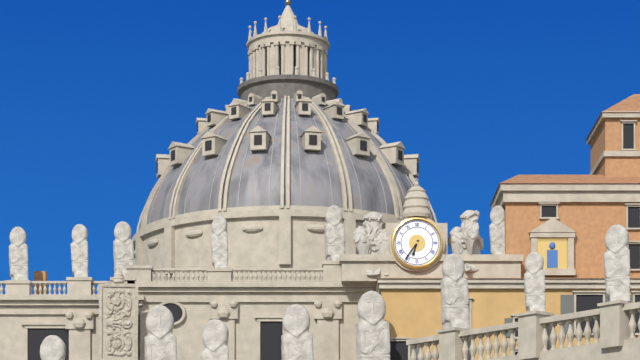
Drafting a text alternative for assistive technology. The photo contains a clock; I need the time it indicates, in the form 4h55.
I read 6h36
